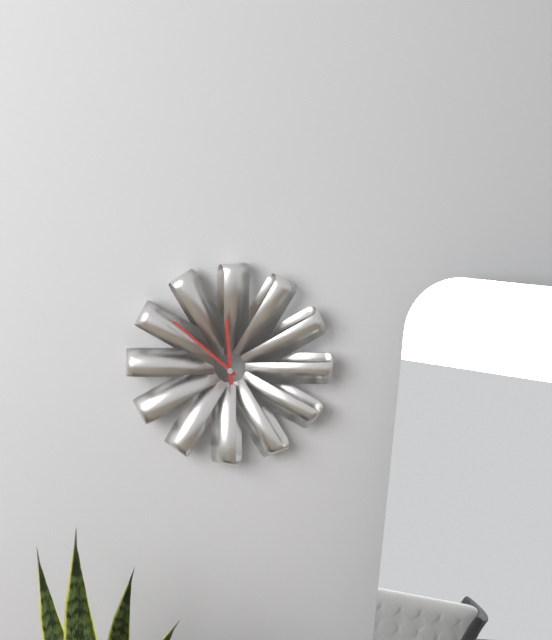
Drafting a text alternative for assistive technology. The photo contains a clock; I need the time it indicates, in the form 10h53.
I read 11h52
